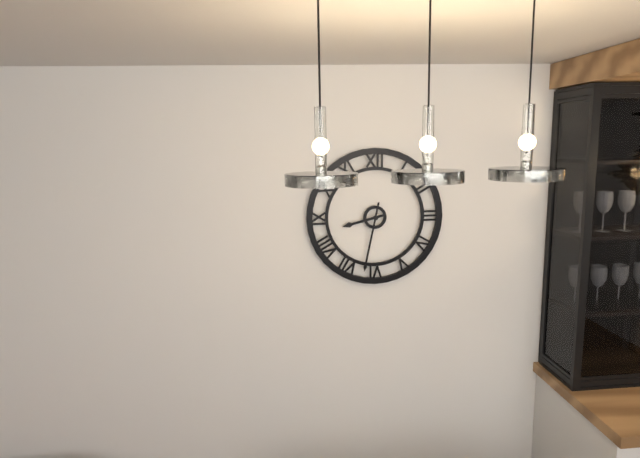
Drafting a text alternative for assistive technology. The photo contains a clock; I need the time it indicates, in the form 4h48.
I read 8h32
